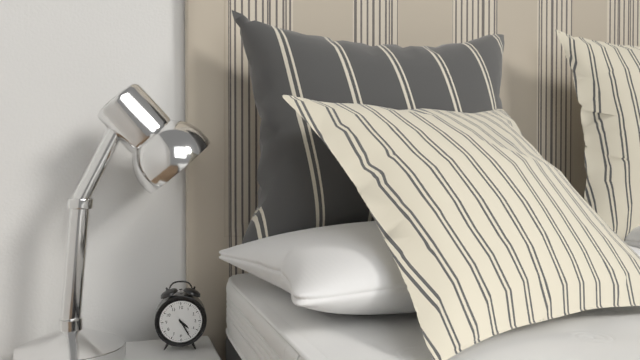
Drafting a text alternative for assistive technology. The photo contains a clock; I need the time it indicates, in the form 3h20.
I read 4h25
